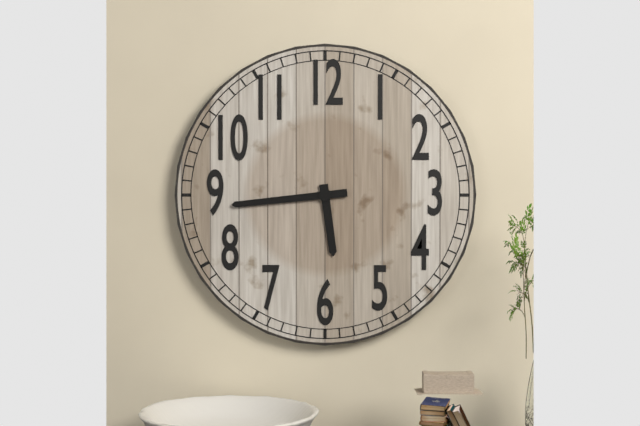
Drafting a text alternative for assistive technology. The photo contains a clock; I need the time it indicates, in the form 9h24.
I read 5h44
